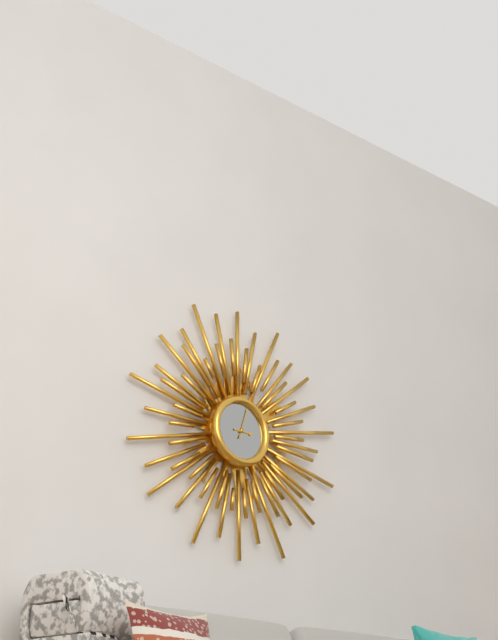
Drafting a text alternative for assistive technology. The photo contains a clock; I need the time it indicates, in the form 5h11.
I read 3h03
